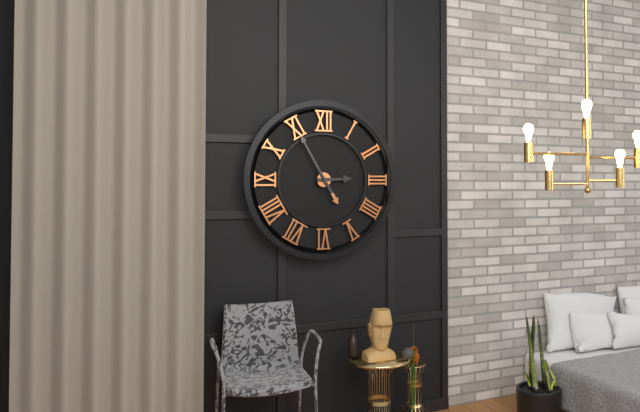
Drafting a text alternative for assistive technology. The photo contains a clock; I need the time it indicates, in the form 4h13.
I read 2h55
